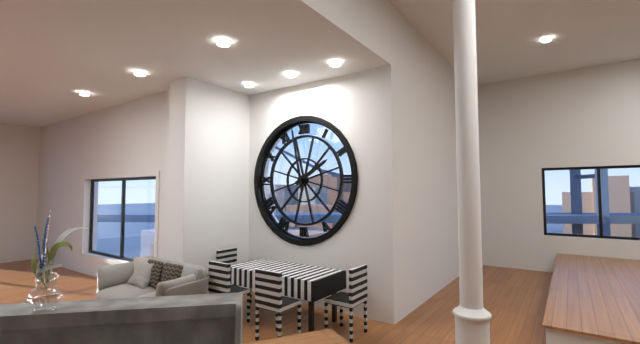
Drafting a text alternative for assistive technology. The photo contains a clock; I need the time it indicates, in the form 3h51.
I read 1h58
